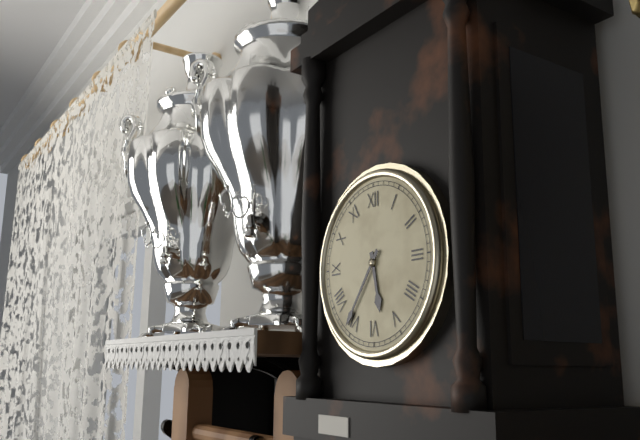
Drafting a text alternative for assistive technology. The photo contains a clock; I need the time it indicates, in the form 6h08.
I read 5h36
